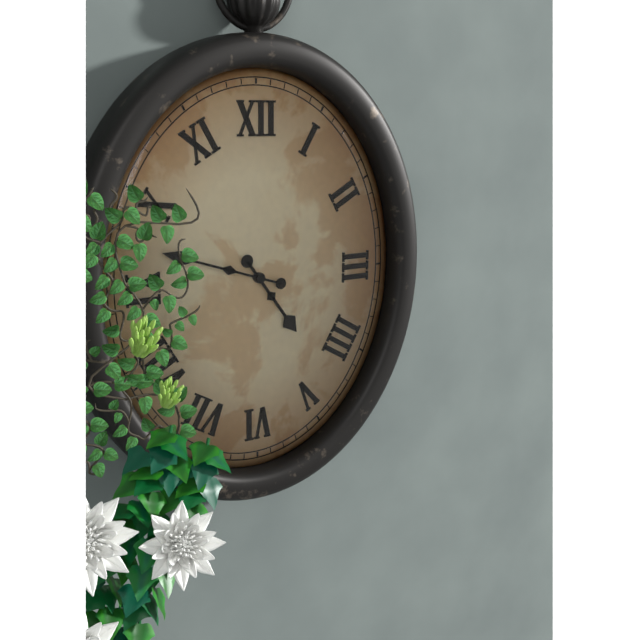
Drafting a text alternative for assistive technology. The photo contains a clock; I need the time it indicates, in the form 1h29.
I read 4h48
